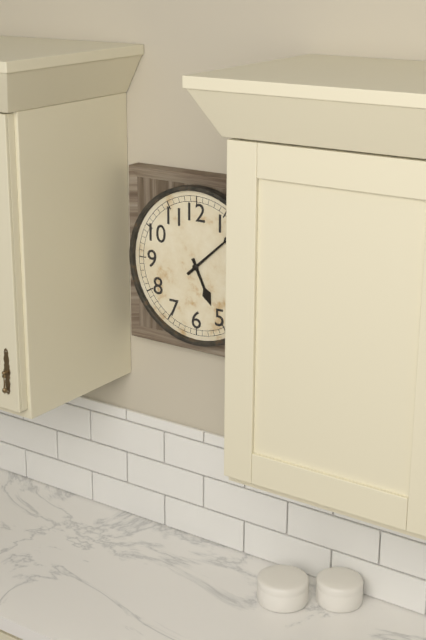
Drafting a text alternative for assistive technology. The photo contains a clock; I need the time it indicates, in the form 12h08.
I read 5h08
